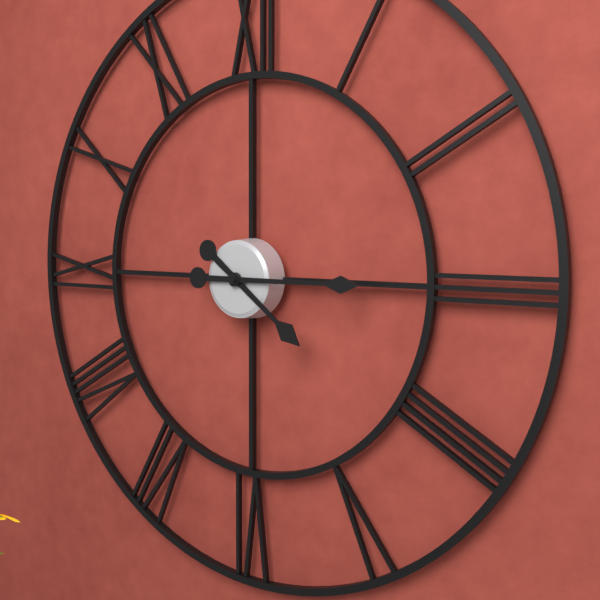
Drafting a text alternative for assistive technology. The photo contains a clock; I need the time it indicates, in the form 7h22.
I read 4h15
